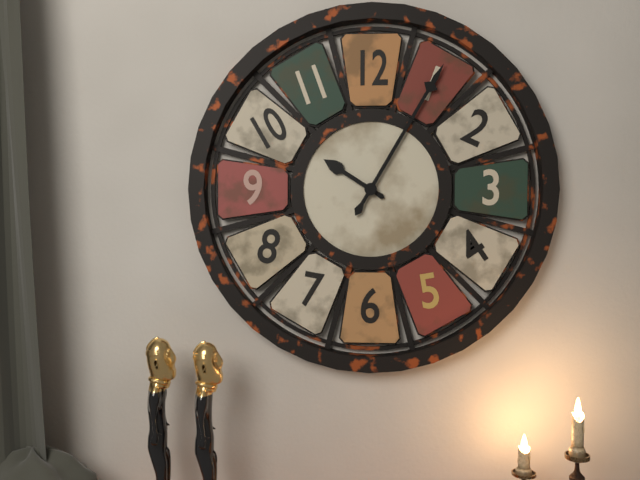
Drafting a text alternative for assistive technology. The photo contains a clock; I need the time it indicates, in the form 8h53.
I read 10h05
